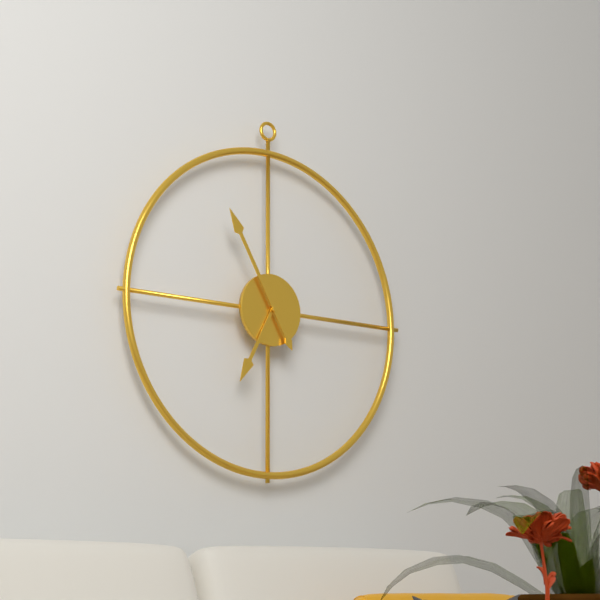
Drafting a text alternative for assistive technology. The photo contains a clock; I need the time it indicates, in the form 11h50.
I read 6h55
